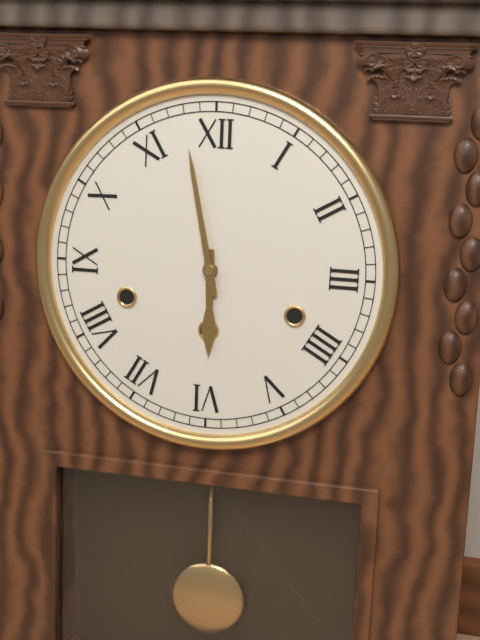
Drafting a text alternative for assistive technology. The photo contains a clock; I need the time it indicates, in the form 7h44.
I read 5h58
